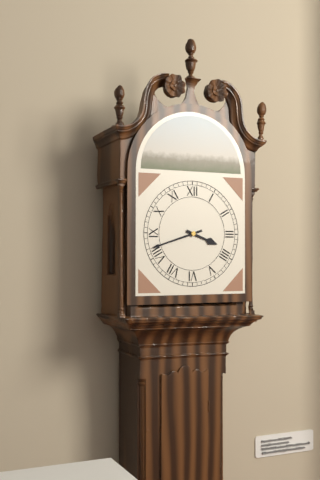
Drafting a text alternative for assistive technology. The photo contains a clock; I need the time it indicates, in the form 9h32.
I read 3h42
